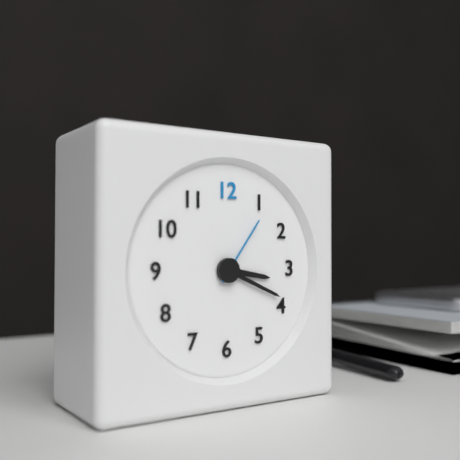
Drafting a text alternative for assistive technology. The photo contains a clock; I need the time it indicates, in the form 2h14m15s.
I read 3h19m06s
